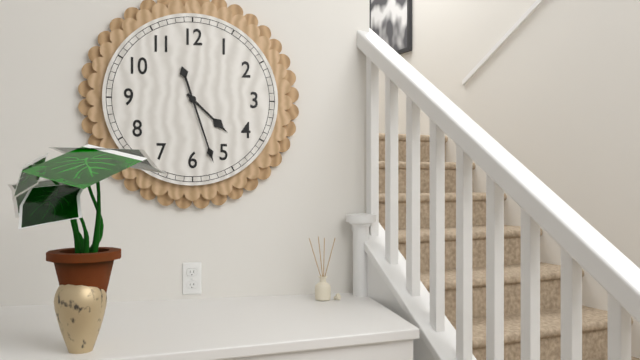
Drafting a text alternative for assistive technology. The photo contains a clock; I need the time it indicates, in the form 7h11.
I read 4h27
